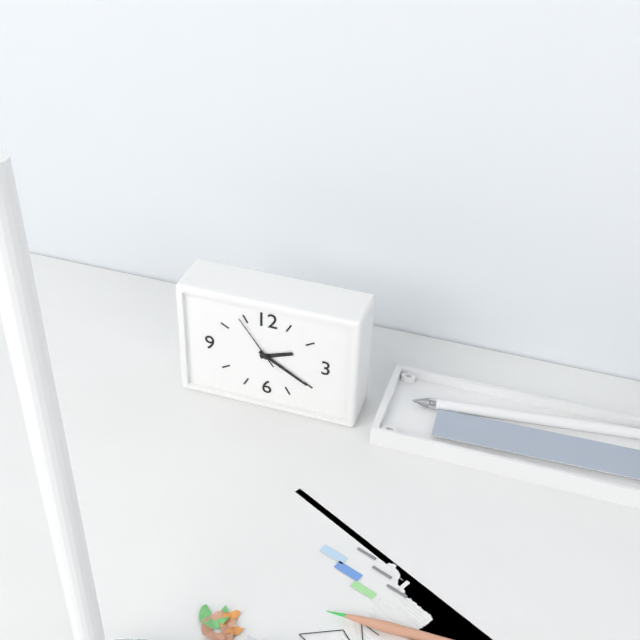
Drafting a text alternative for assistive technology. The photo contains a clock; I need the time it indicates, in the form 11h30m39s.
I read 2h20m54s
